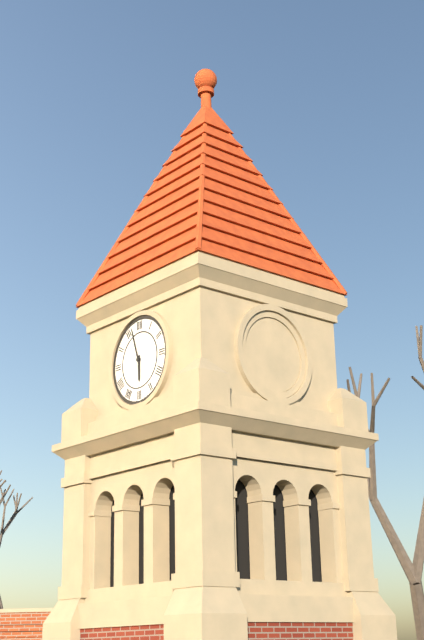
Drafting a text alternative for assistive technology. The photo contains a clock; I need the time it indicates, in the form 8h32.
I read 5h57
